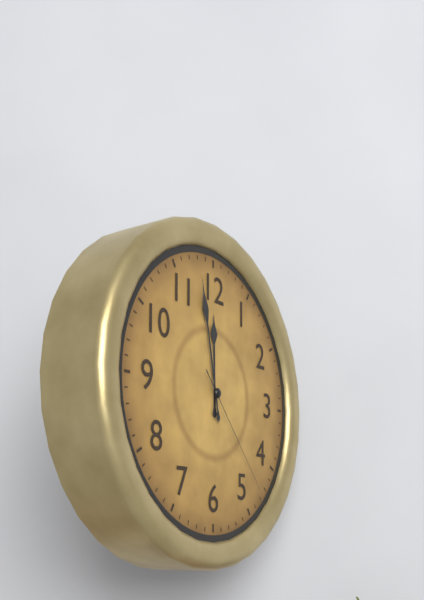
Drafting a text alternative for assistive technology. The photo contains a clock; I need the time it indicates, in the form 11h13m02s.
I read 11h58m23s
